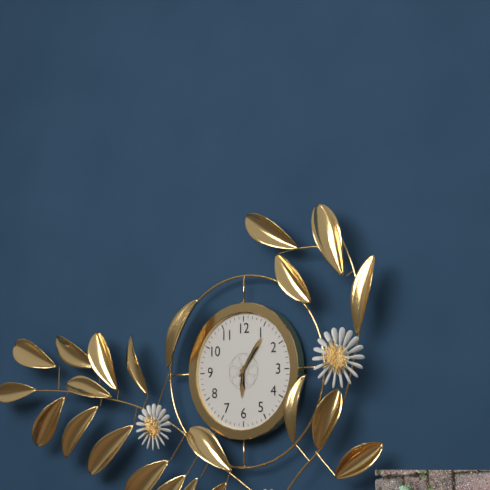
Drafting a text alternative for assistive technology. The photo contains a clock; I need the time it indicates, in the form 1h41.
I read 6h06
